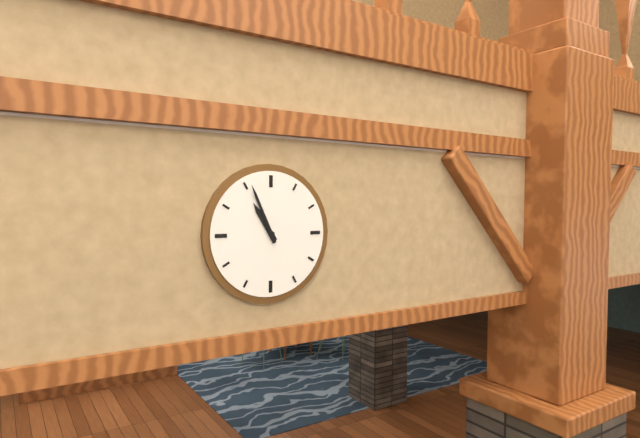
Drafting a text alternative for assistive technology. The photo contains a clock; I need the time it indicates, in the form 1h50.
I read 10h56
